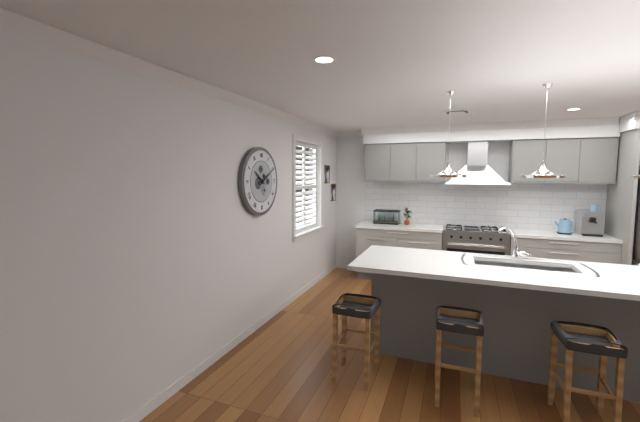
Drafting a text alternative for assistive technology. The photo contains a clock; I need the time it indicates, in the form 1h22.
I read 10h10
